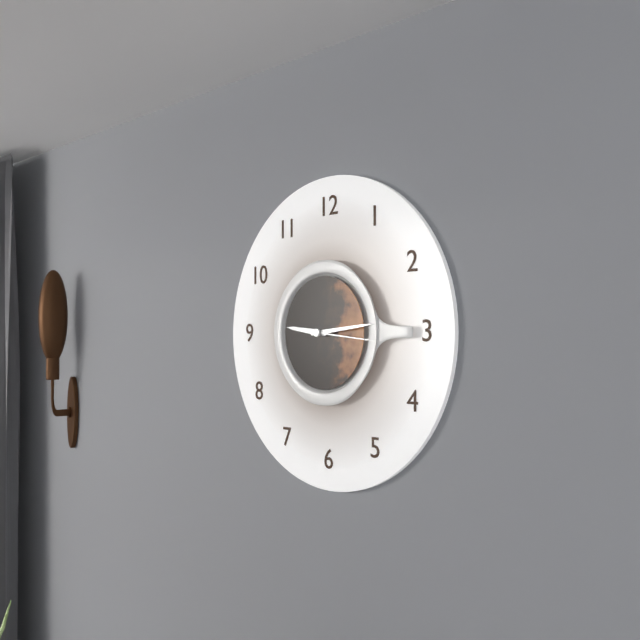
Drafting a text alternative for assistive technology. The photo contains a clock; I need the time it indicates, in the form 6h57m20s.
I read 9h14m16s
